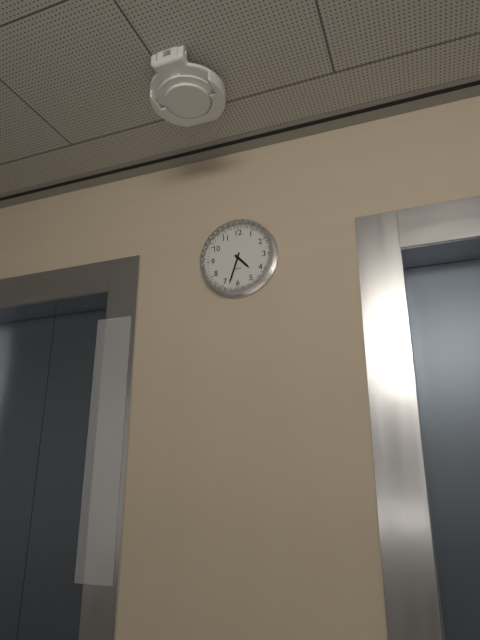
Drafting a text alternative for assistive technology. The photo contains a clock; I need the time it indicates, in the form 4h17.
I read 4h33
